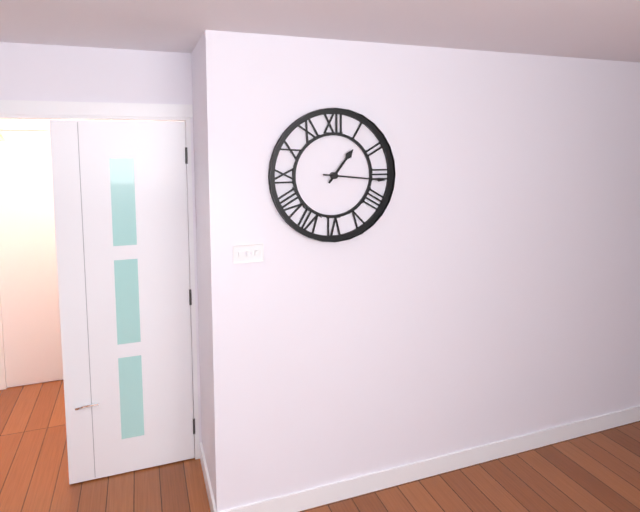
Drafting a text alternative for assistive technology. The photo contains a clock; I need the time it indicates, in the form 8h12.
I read 1h16
